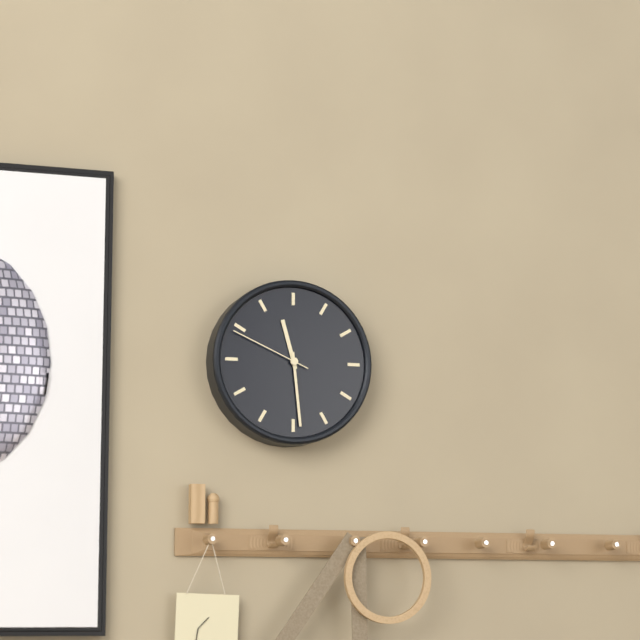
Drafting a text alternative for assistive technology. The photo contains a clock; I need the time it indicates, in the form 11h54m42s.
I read 11h29m49s
